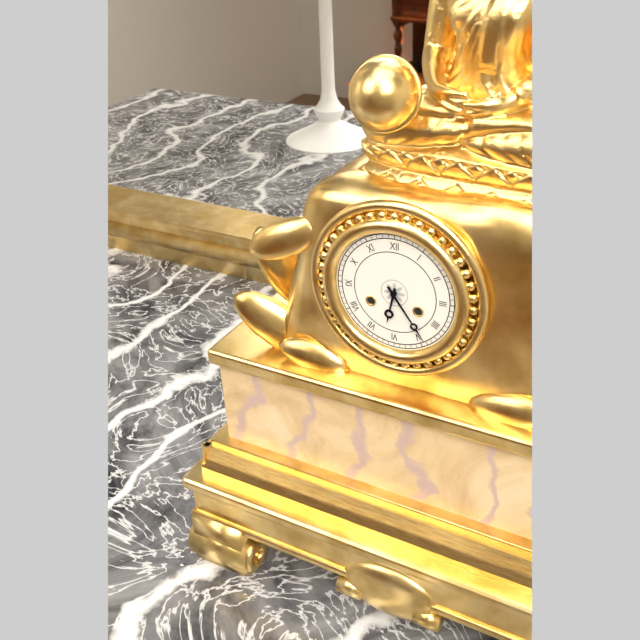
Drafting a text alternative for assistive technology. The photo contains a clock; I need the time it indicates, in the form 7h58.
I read 6h24
